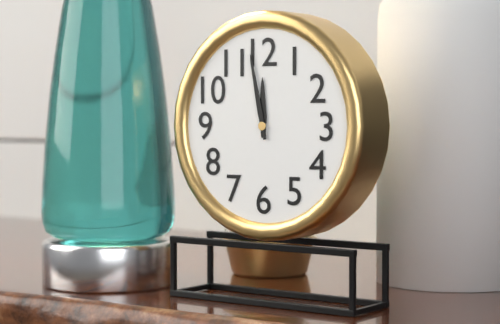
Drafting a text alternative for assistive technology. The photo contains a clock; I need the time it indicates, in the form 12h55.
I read 11h58
